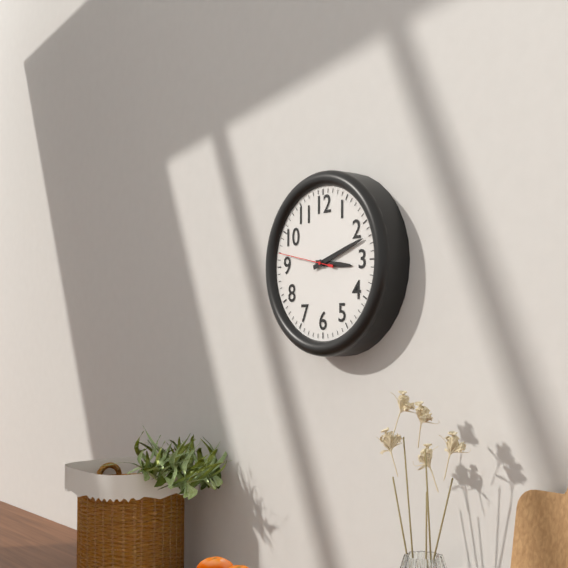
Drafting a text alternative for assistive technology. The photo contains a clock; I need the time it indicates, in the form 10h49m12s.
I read 3h12m47s
